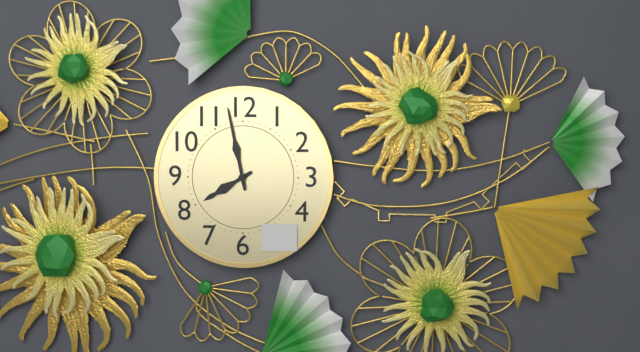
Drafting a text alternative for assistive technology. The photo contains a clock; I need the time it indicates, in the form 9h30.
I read 7h58
